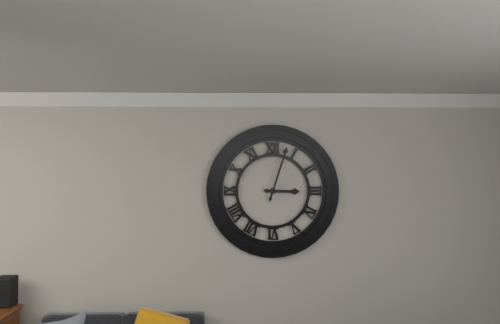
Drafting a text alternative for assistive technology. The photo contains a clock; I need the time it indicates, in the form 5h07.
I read 3h03
